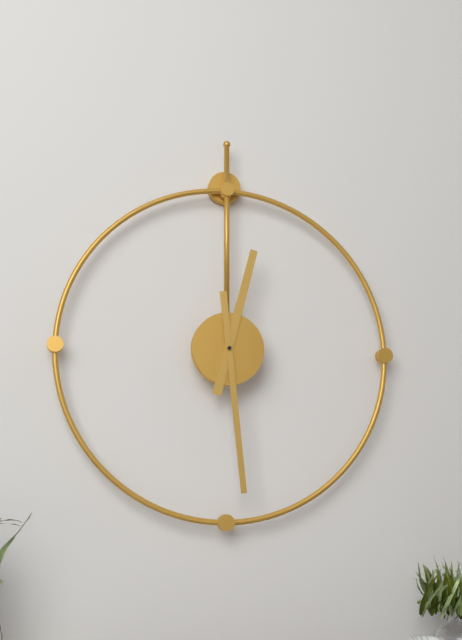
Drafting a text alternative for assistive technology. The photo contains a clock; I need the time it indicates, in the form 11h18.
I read 12h29
